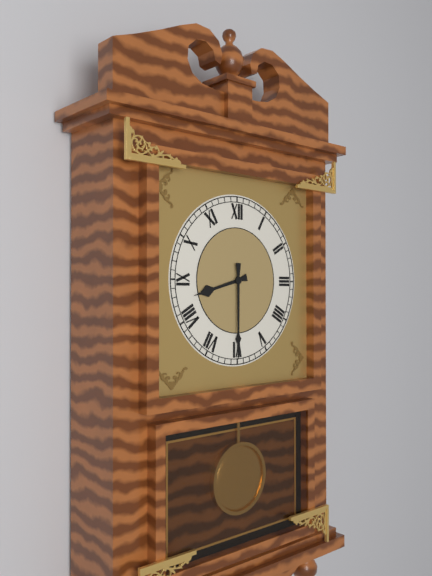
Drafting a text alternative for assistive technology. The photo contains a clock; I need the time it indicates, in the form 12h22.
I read 8h30
